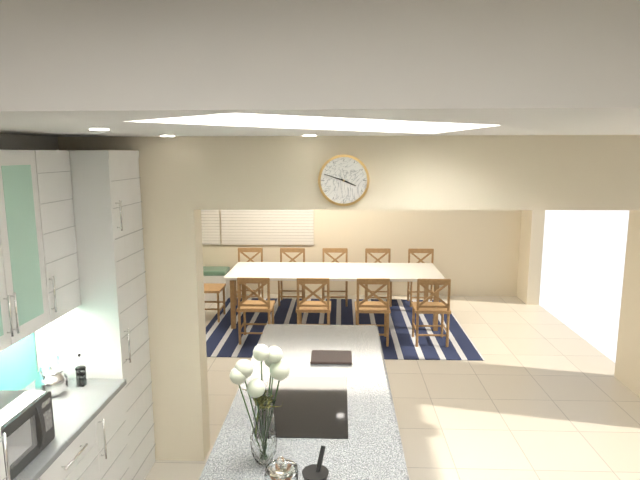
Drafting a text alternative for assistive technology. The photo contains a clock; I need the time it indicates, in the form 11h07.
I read 3h48
